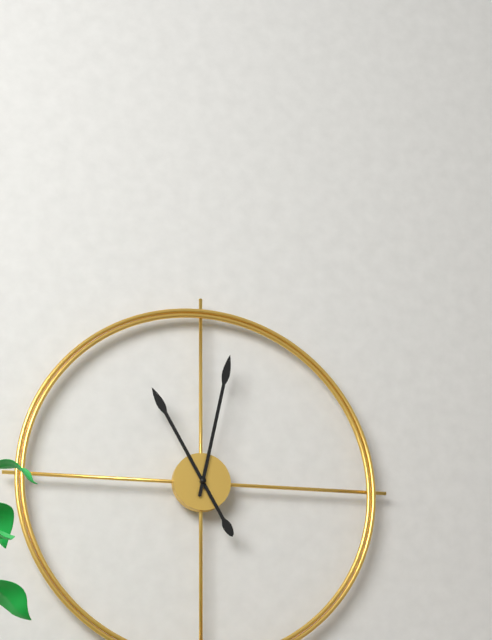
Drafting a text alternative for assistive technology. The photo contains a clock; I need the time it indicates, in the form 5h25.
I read 11h02
